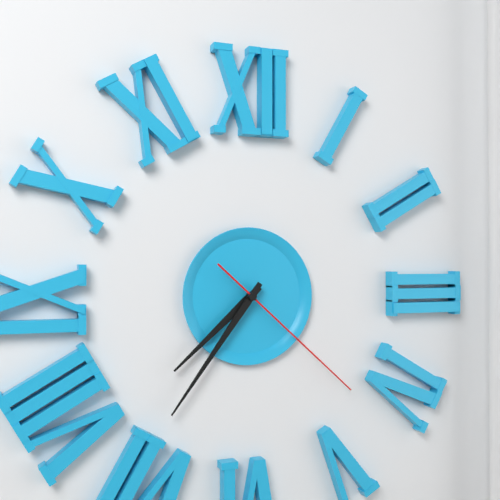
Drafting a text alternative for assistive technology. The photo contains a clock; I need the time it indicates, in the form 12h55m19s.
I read 7h36m22s
